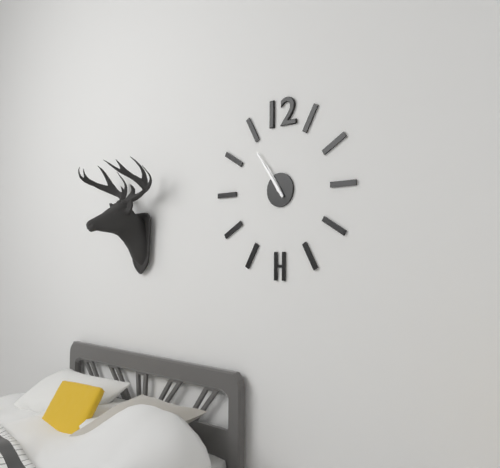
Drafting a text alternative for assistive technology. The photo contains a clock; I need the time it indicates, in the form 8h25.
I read 10h54
